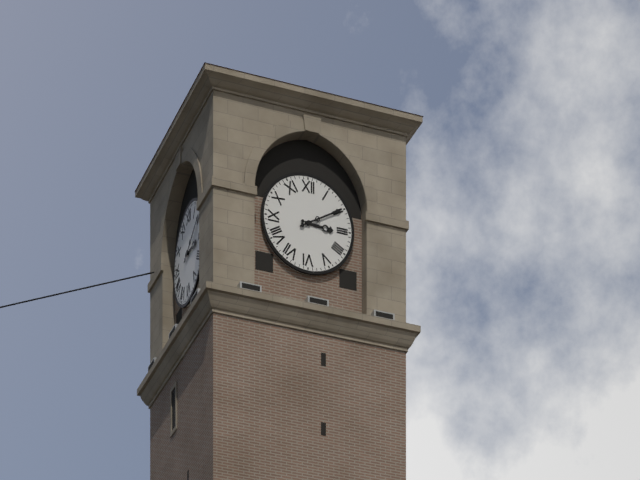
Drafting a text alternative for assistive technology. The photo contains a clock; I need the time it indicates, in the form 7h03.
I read 3h10
